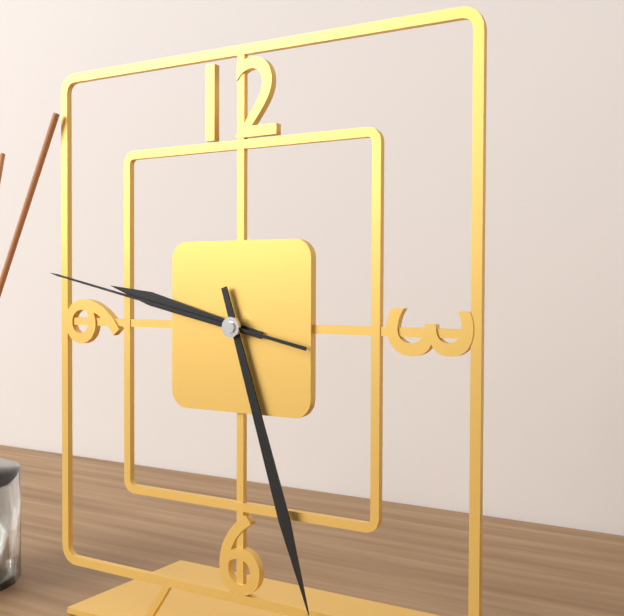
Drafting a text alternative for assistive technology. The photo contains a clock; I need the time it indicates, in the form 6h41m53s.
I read 9h27m47s
